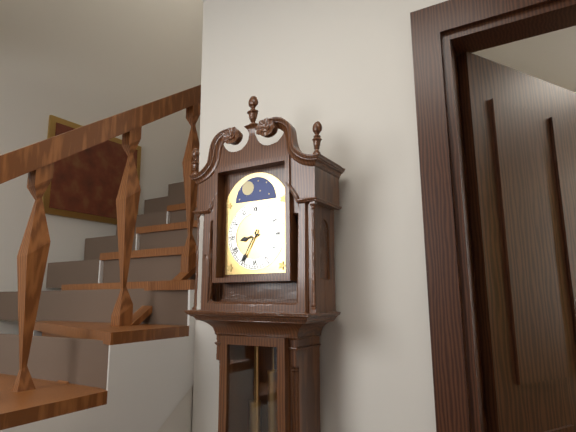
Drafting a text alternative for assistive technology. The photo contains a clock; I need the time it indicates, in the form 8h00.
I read 8h35
